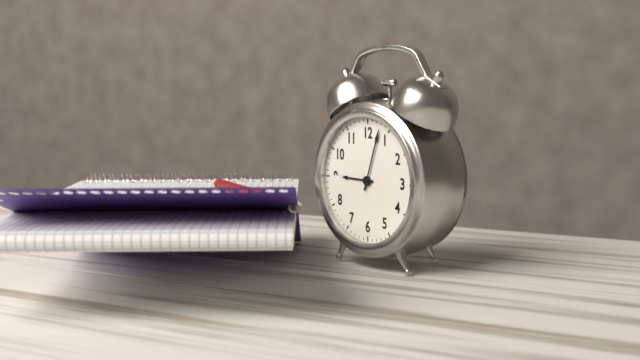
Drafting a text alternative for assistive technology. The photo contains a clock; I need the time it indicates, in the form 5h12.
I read 9h03
